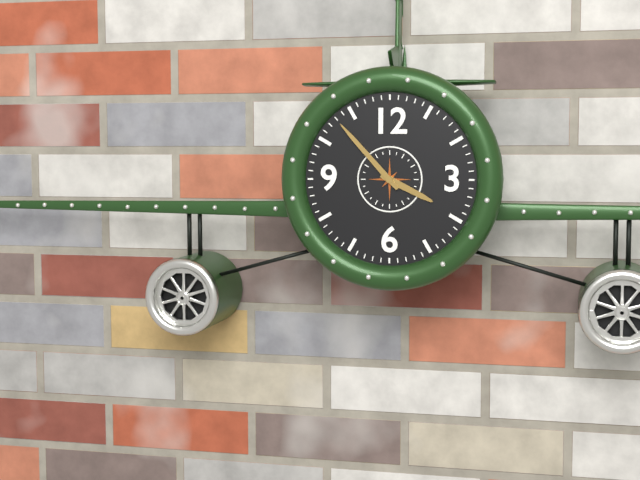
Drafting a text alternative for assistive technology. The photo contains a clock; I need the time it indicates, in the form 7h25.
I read 3h53
